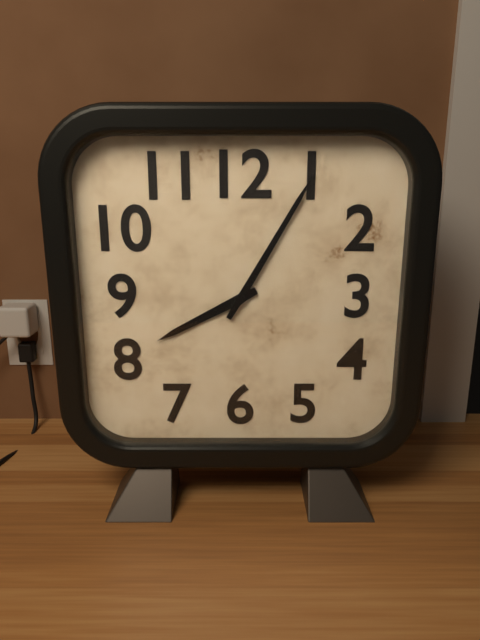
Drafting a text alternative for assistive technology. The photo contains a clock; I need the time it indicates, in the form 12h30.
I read 8h05
